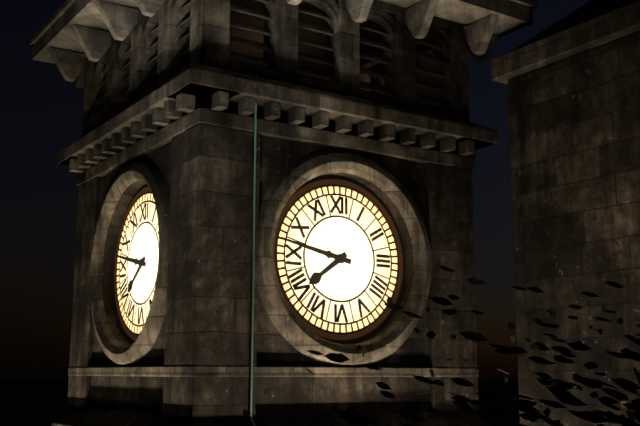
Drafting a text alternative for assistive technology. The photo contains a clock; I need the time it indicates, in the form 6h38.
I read 7h47
